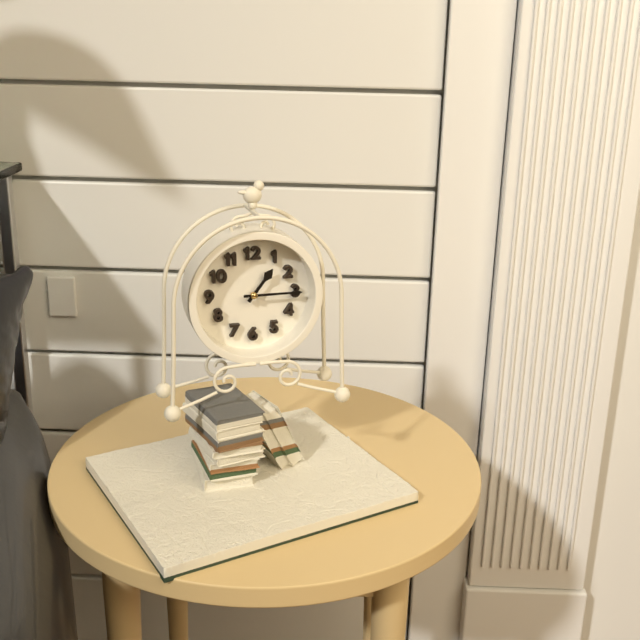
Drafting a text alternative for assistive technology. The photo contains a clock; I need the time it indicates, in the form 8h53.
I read 1h15
